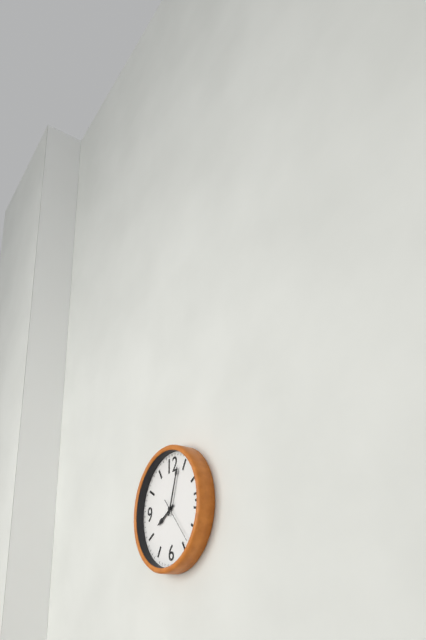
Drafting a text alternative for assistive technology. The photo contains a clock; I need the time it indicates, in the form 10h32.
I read 8h03
